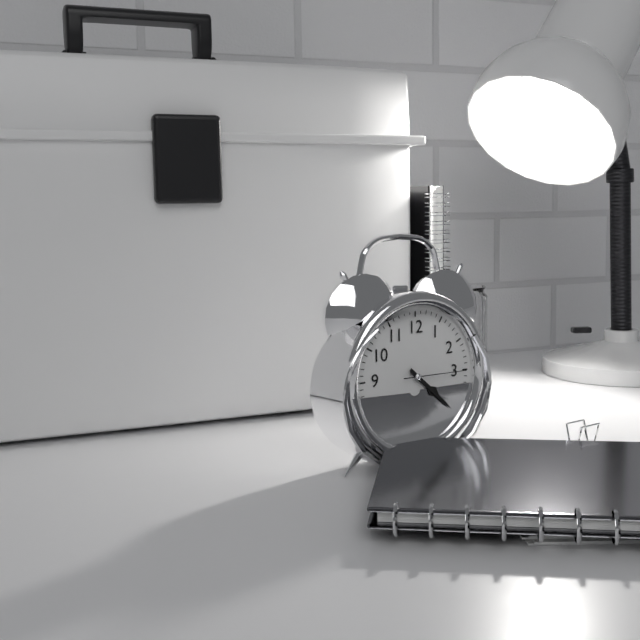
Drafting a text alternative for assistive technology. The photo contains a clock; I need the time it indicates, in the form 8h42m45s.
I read 4h22m15s
